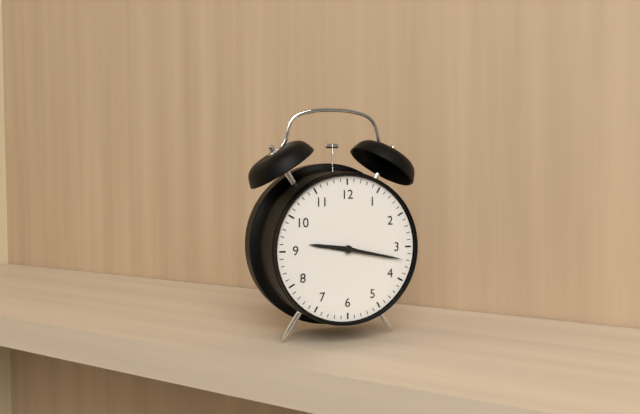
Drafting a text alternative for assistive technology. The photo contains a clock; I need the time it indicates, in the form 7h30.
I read 9h17
